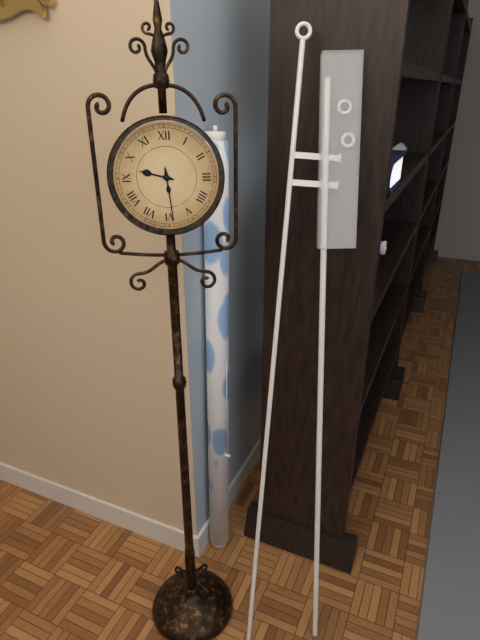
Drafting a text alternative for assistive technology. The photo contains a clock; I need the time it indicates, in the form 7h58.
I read 9h29
